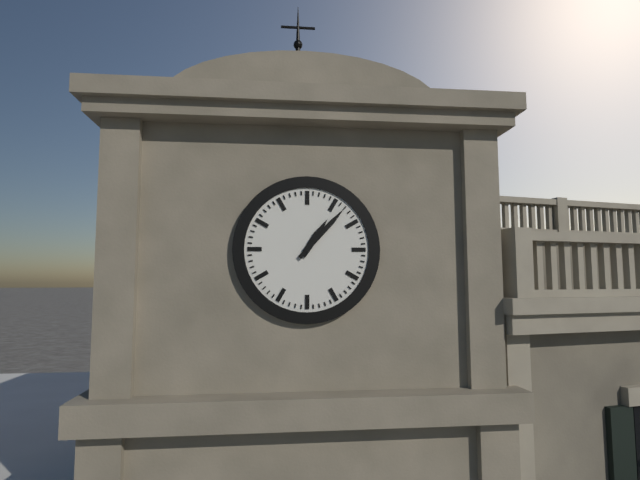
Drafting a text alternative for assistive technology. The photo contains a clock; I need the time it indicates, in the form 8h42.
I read 1h07
